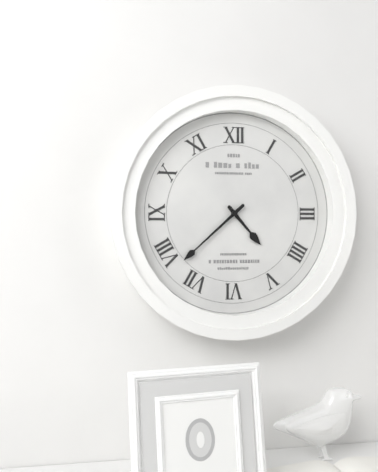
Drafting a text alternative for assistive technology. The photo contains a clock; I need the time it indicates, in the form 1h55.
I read 4h38
